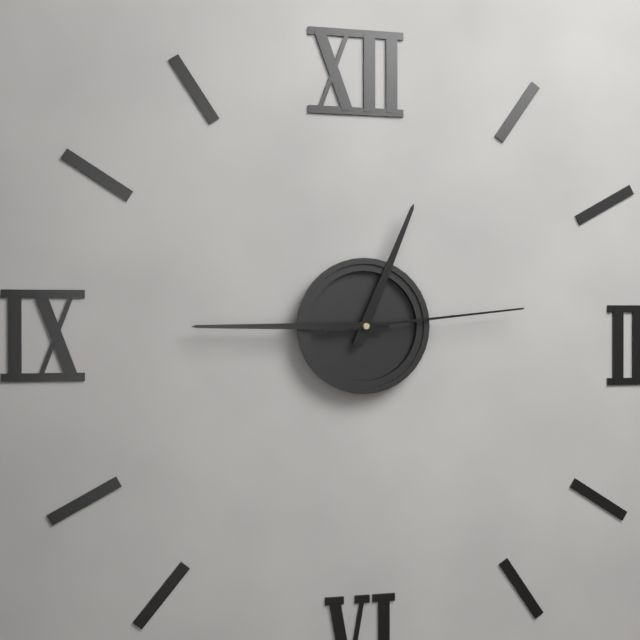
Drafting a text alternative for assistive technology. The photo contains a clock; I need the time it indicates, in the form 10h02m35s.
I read 12h45m14s
